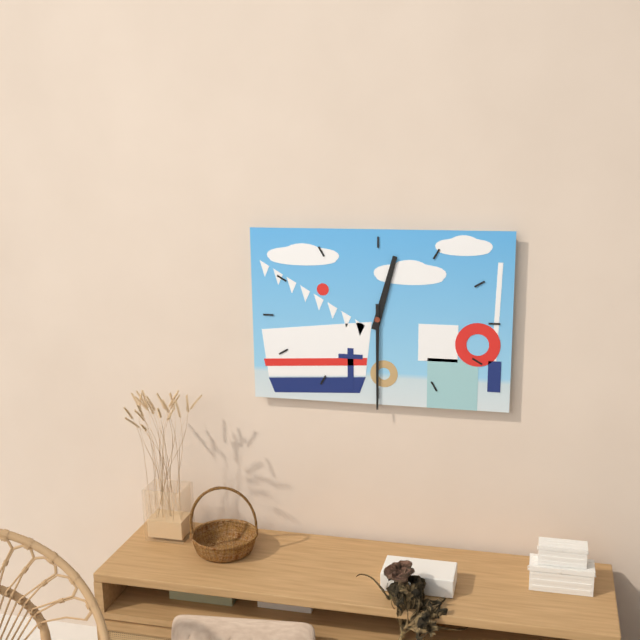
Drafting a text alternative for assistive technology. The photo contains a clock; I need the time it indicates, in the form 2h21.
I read 12h30
